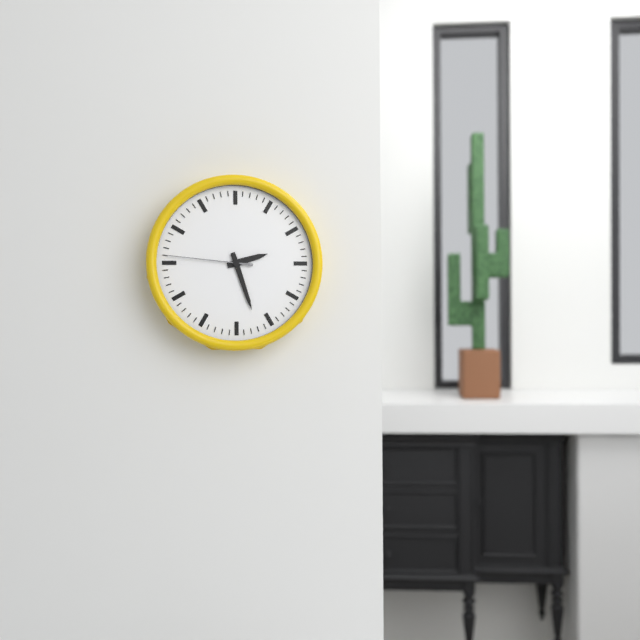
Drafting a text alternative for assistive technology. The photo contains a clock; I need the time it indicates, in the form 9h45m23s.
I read 2h27m46s
